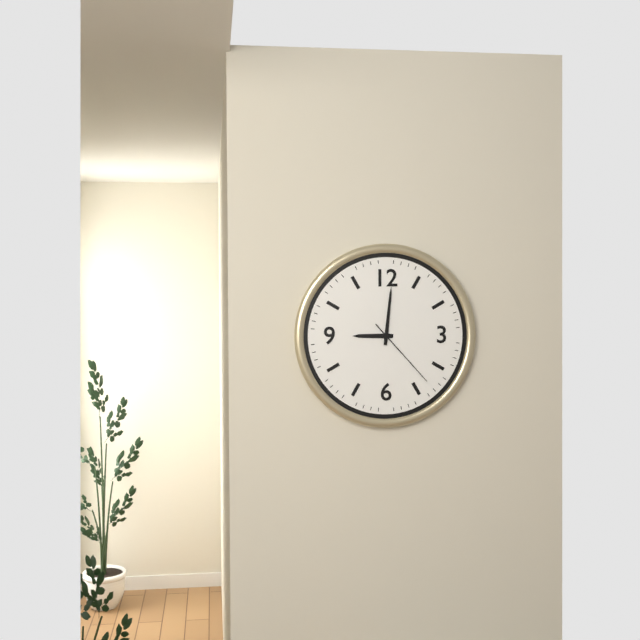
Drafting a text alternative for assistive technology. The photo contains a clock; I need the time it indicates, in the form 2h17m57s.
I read 9h01m23s
